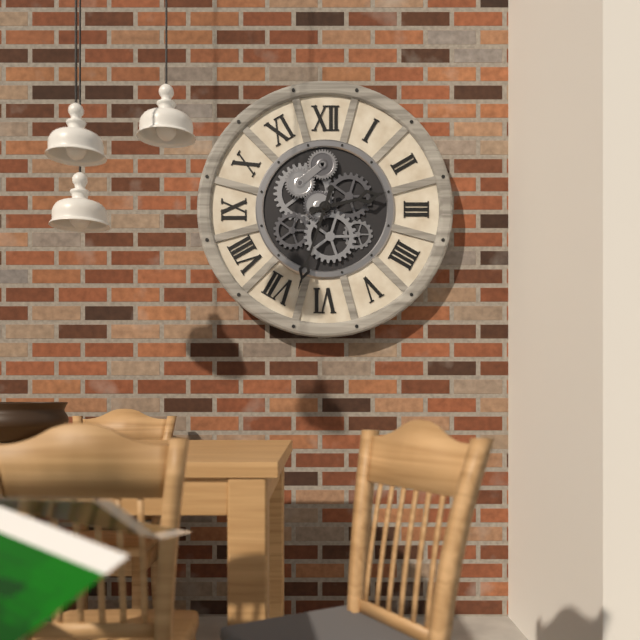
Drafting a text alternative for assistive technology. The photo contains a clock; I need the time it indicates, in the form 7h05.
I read 2h33
